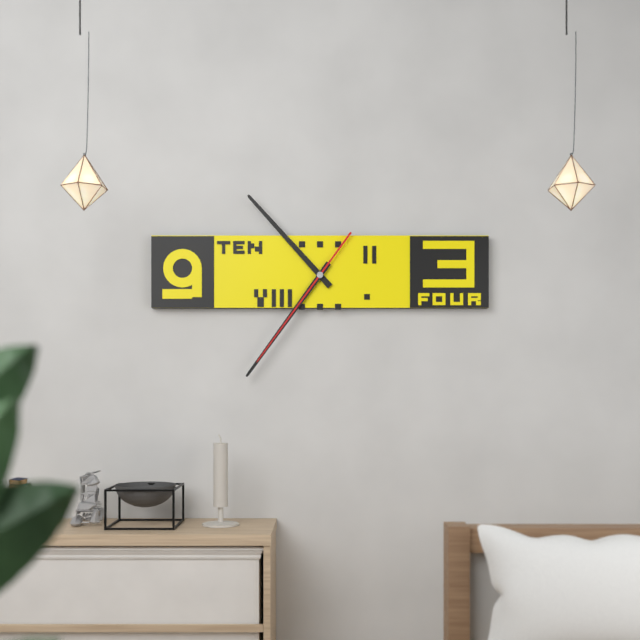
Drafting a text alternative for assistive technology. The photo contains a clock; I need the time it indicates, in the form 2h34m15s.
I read 10h36m36s
